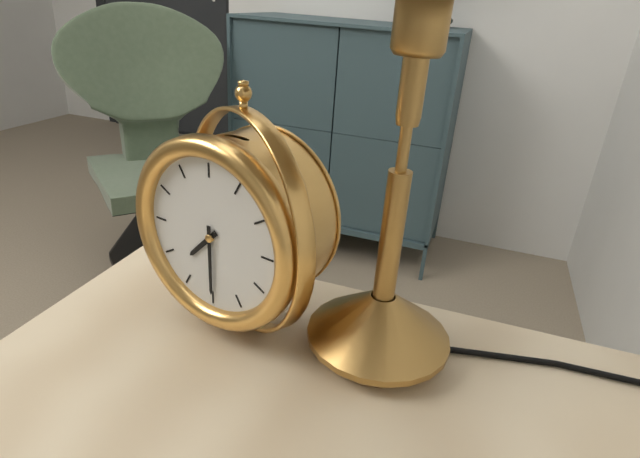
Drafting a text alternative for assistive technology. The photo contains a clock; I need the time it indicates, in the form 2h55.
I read 7h30
